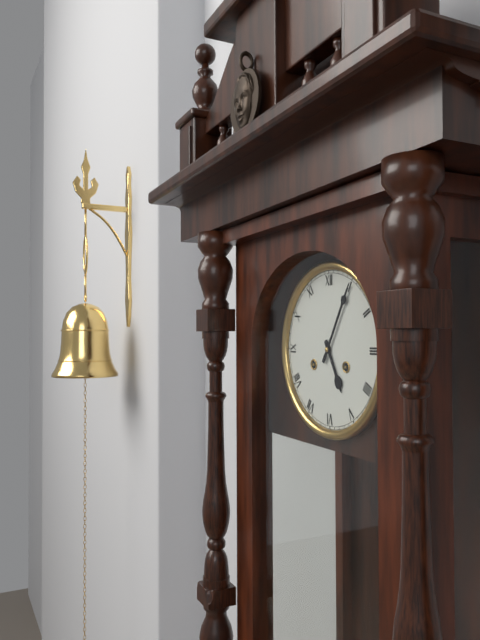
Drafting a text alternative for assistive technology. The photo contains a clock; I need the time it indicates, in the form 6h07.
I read 5h05
